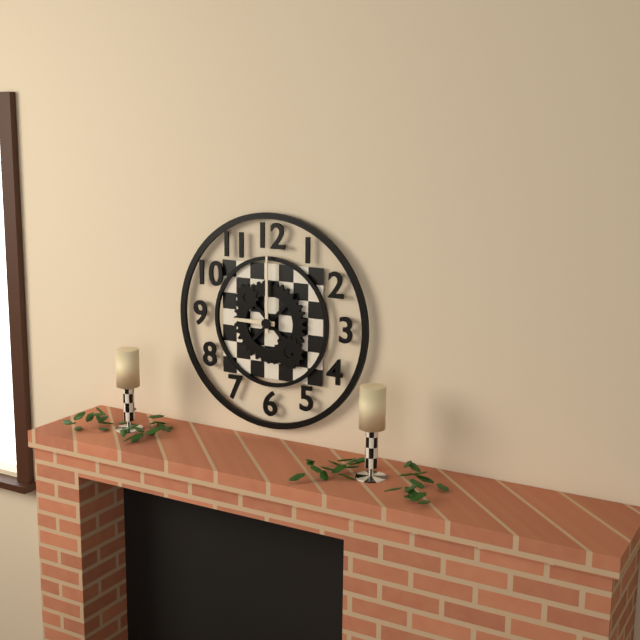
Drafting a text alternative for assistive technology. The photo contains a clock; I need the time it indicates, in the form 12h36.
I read 9h00
